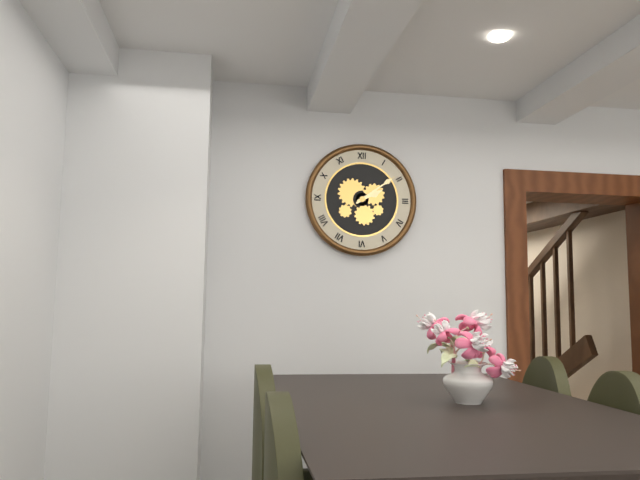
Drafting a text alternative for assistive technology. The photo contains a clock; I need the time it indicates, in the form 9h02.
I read 2h09
